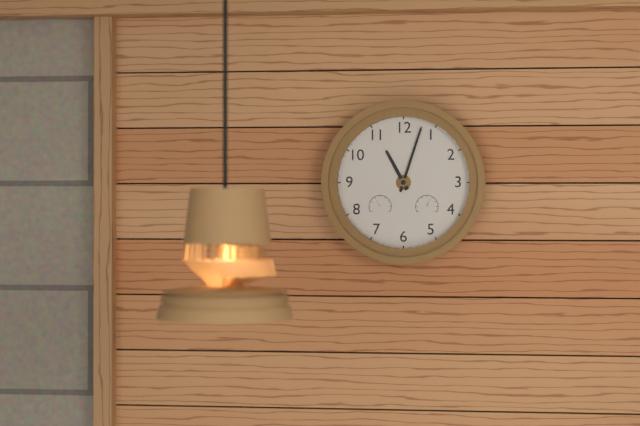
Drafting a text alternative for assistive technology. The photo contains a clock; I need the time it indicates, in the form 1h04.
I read 11h03
